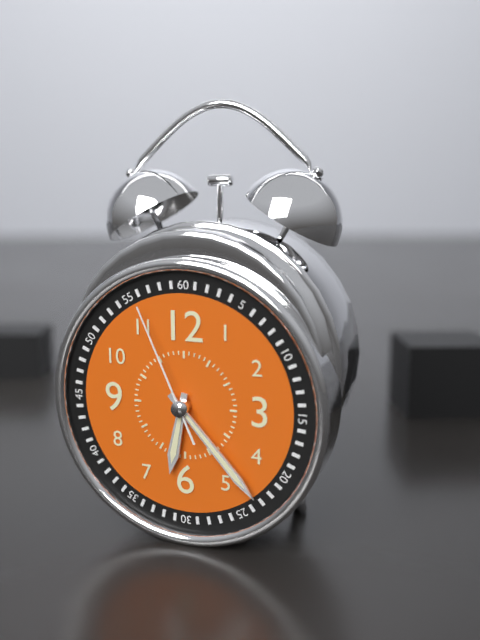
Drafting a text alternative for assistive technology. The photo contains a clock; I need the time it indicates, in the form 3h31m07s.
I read 6h23m56s
